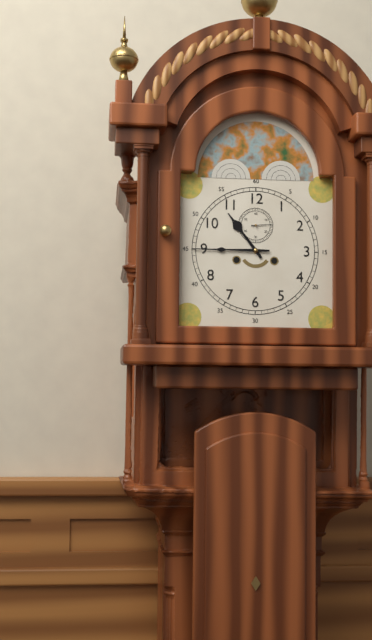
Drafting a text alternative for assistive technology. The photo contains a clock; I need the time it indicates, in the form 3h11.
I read 10h45
